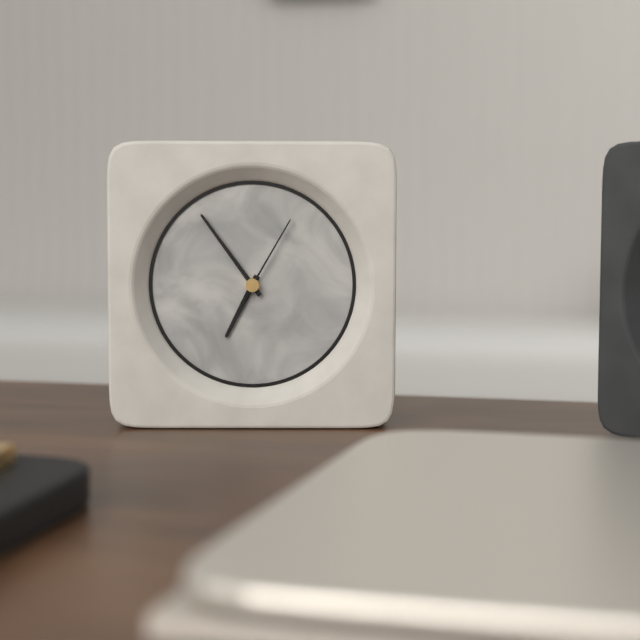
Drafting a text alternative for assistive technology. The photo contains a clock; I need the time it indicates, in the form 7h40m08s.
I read 6h54m05s
